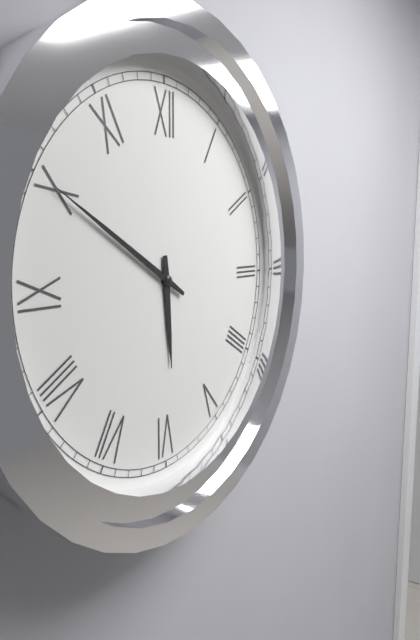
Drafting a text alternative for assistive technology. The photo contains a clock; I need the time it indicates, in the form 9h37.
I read 5h50
